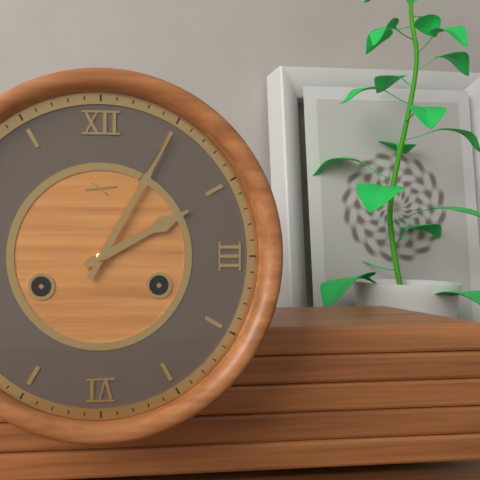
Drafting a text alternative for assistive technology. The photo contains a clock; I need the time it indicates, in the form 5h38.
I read 2h05
